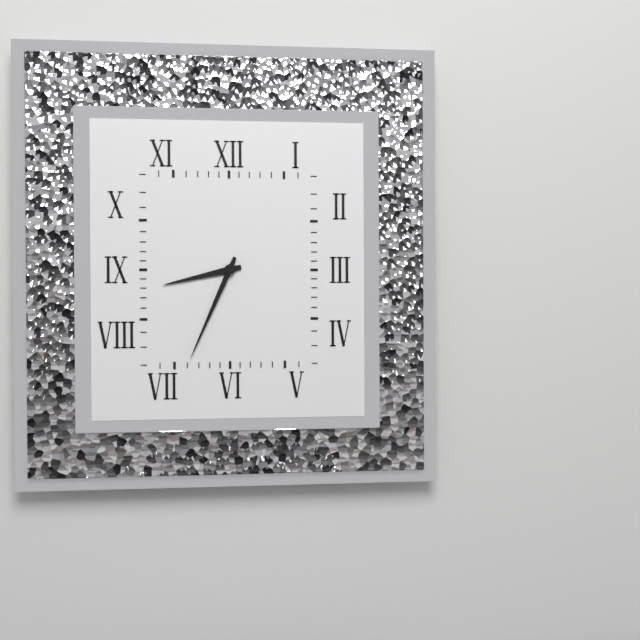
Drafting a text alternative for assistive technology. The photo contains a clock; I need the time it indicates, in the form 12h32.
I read 8h34
